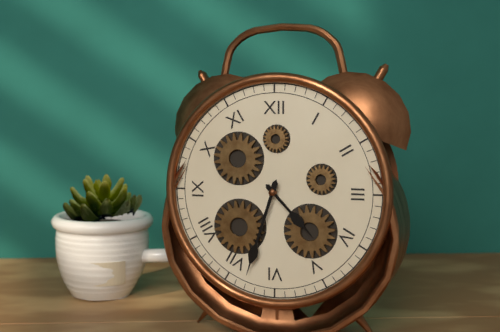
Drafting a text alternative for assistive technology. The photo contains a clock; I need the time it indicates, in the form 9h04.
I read 4h33
